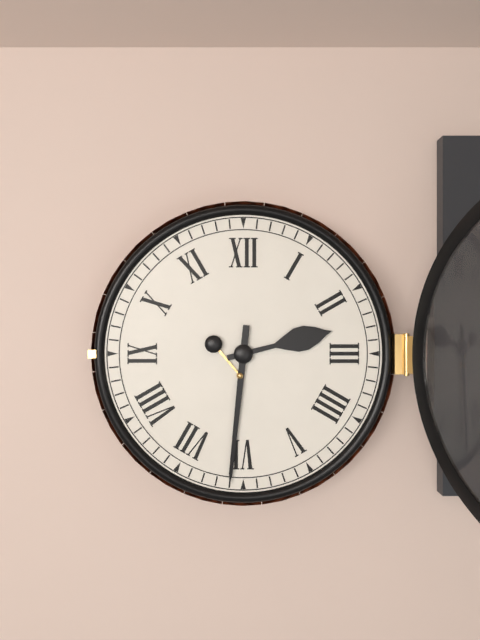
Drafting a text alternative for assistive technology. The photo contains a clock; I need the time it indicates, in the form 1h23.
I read 2h31
